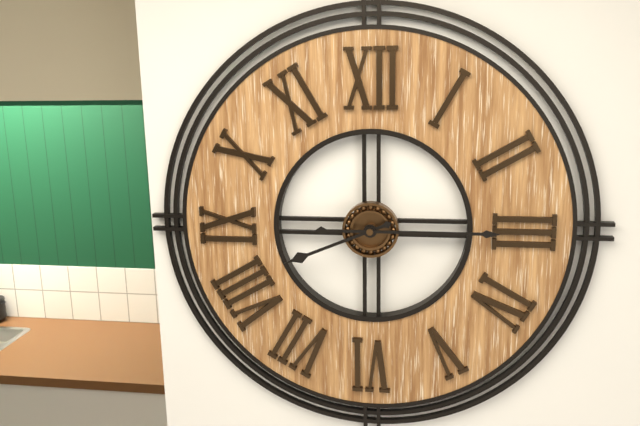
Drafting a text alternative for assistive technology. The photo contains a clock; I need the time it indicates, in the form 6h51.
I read 8h15
